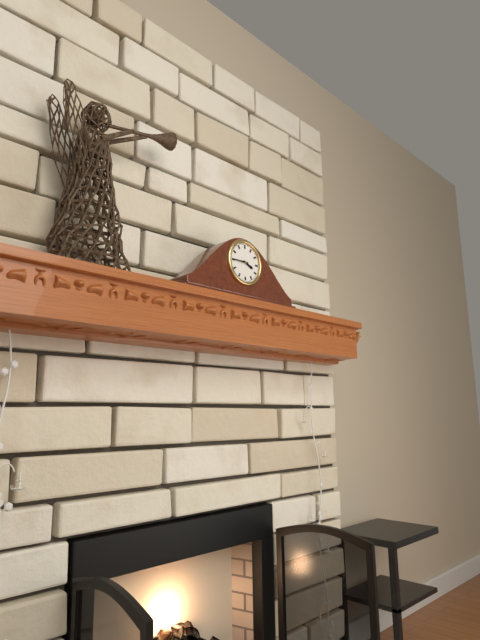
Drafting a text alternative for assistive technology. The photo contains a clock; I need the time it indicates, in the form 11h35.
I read 3h45
